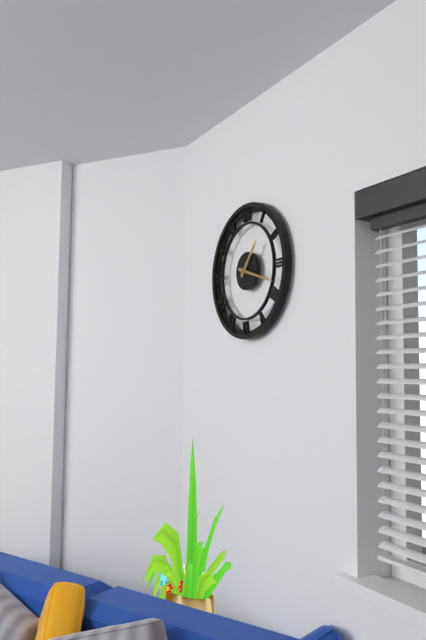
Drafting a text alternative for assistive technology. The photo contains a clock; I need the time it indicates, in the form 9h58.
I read 1h18
